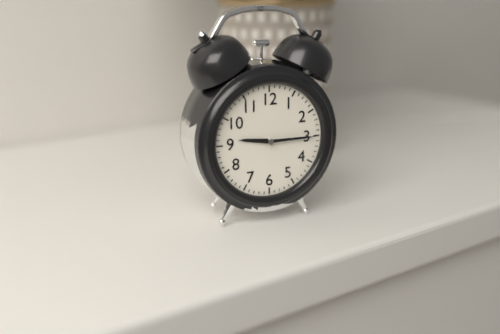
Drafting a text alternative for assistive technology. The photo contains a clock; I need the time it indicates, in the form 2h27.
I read 9h15
